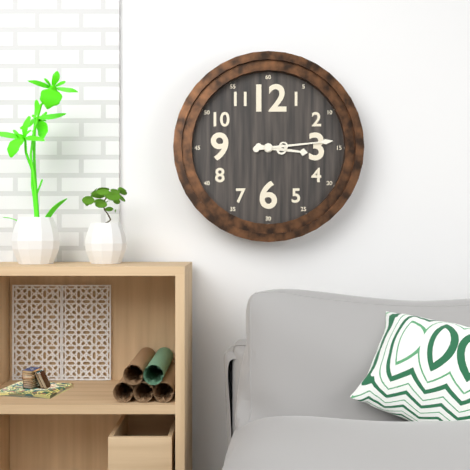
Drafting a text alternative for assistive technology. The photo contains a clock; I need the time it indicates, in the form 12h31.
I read 3h14
